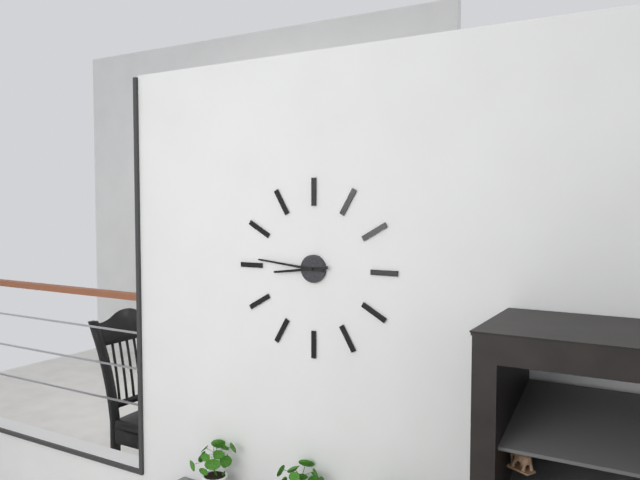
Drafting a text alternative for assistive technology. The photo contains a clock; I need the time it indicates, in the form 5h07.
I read 8h46
